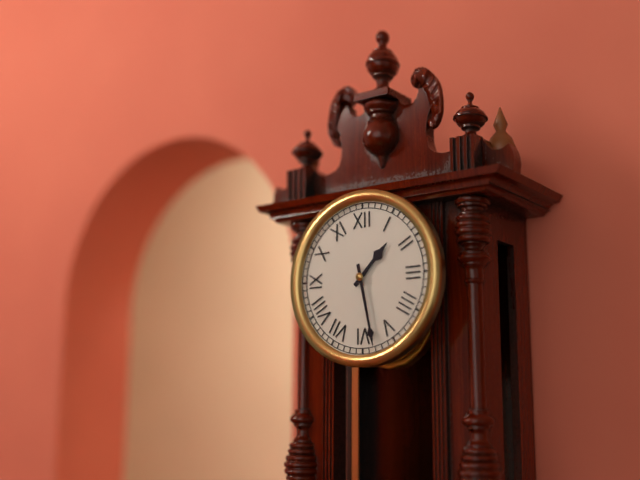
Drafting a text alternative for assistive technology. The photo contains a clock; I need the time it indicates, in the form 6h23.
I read 1h28
